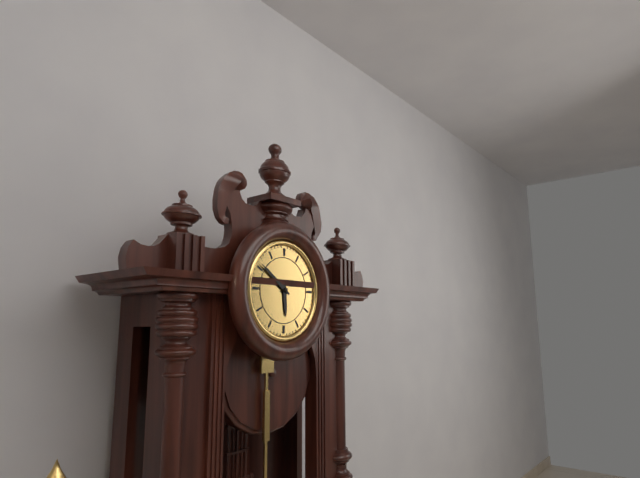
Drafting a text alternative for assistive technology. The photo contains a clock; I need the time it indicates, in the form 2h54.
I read 5h51
